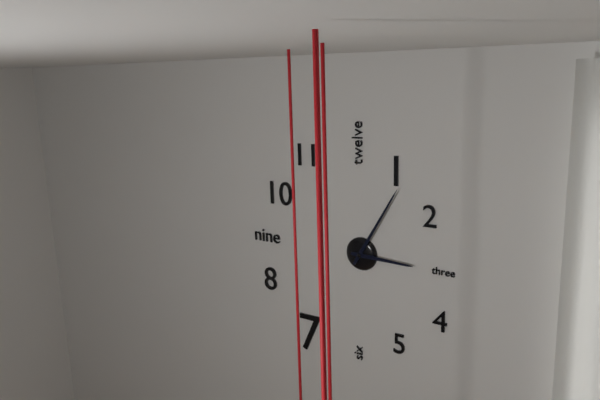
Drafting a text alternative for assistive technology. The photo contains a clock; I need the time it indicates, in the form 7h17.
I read 3h05
